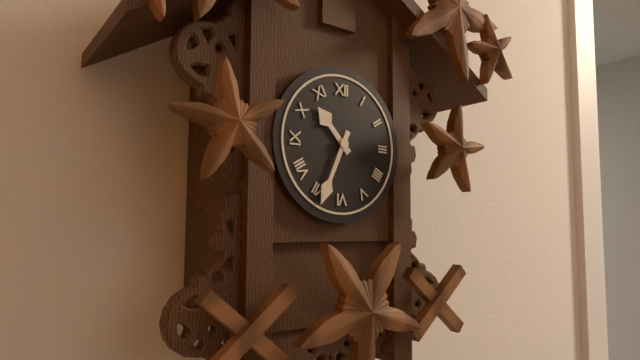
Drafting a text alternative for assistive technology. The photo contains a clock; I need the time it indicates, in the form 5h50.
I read 10h34
